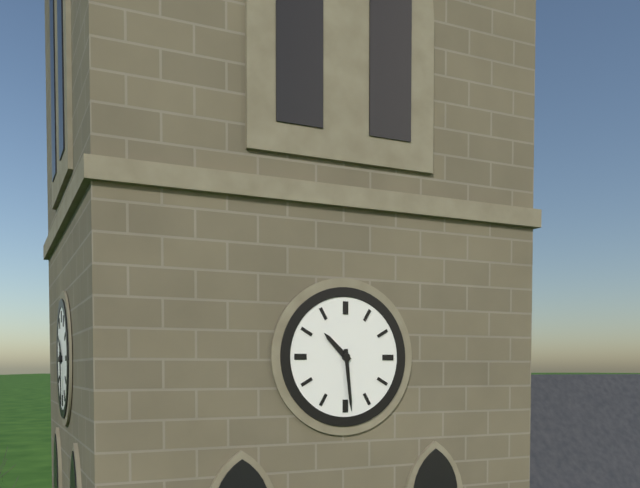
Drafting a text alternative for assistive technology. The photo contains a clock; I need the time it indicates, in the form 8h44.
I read 10h29
